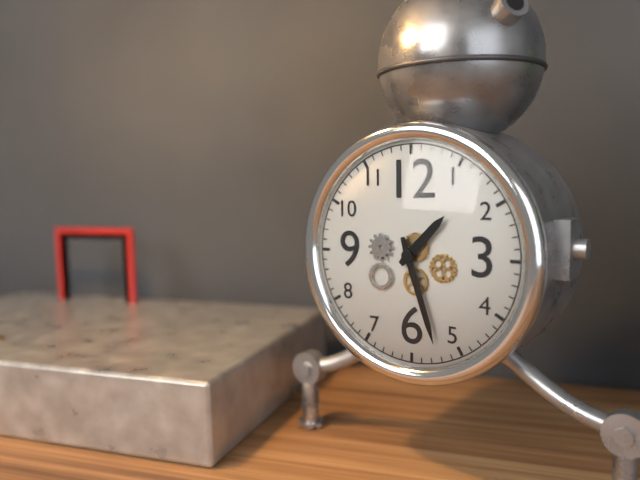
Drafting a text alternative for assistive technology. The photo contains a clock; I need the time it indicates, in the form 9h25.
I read 1h27
